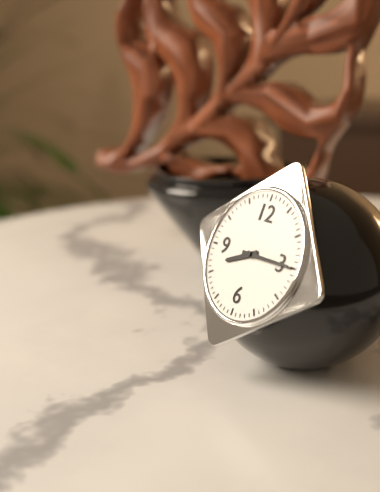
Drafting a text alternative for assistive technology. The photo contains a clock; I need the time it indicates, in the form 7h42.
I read 8h15
